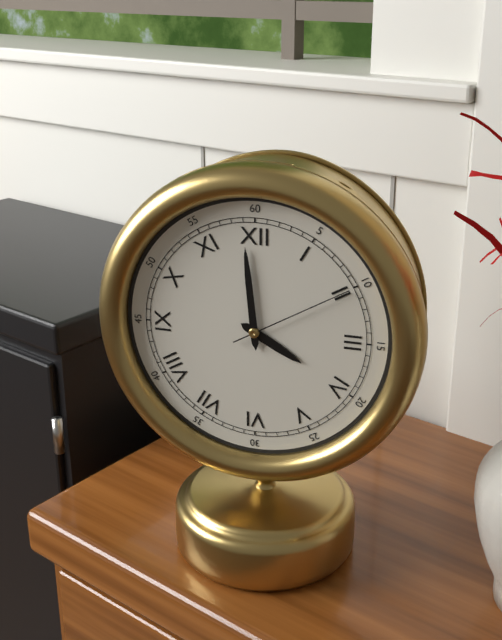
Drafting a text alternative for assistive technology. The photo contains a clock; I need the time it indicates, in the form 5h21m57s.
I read 3h59m10s
